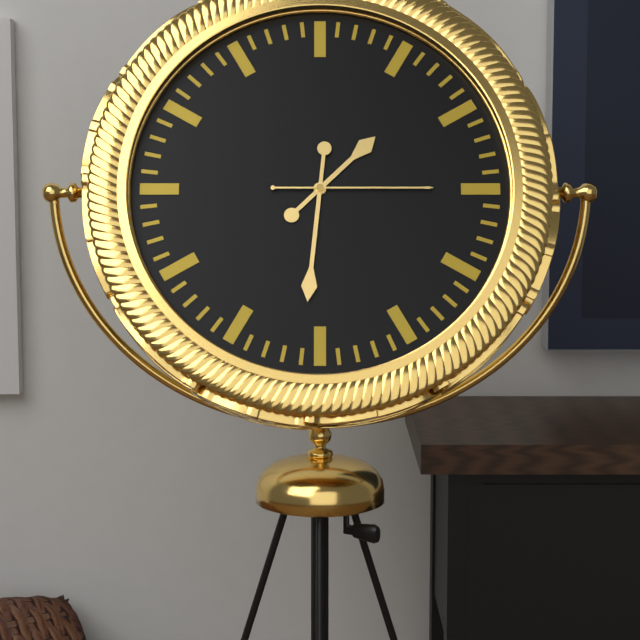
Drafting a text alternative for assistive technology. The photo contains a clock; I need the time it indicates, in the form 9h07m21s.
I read 1h31m15s
